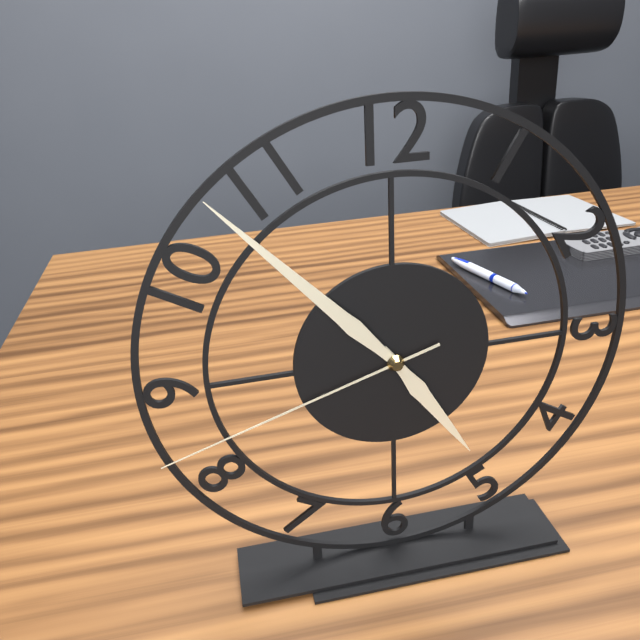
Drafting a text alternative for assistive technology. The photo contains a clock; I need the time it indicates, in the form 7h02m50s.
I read 4h53m42s
